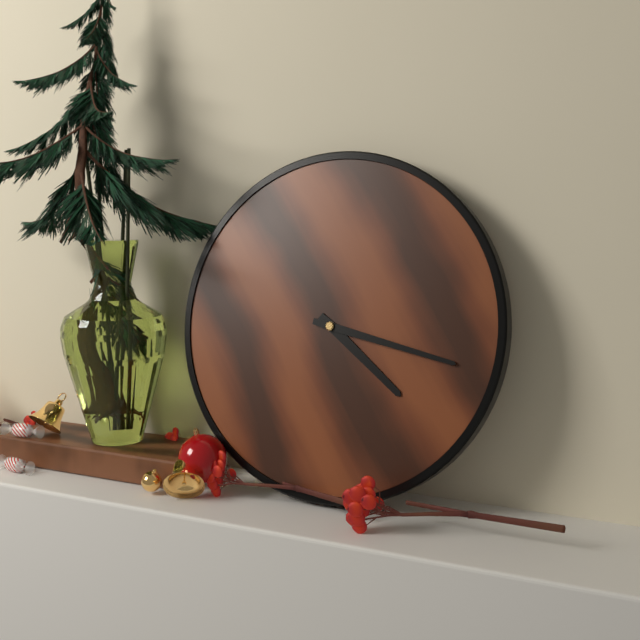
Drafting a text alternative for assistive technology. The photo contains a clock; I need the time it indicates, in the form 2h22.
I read 4h17
